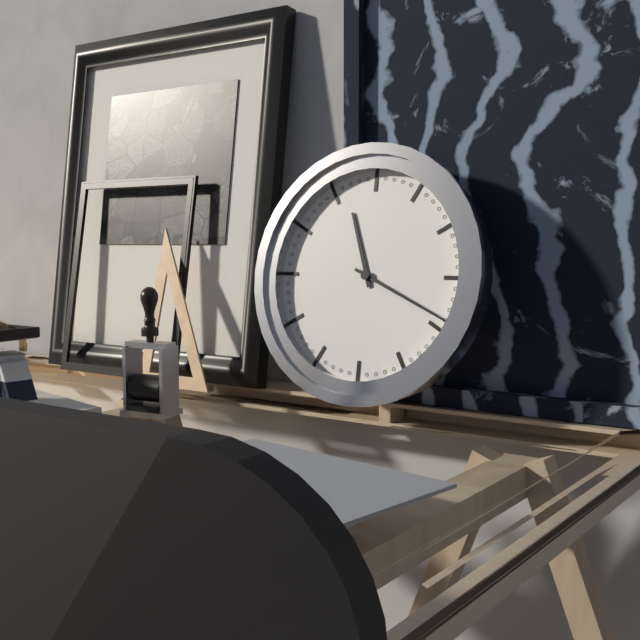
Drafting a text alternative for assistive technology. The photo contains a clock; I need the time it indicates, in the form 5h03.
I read 11h19
